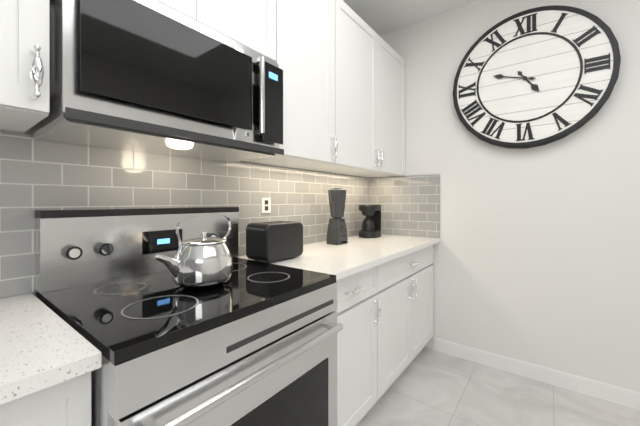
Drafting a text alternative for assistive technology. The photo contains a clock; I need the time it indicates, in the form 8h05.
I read 4h48
